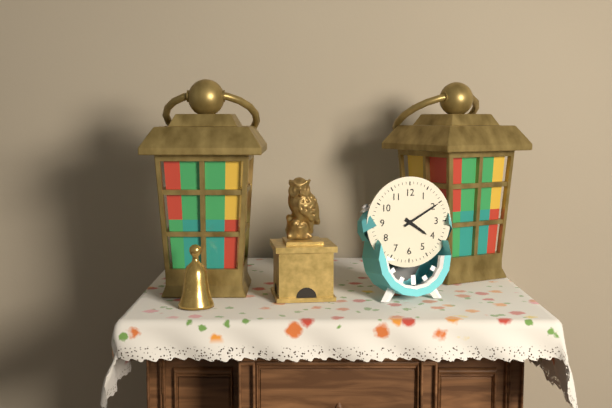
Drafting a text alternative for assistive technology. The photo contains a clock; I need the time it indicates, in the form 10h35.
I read 4h10
